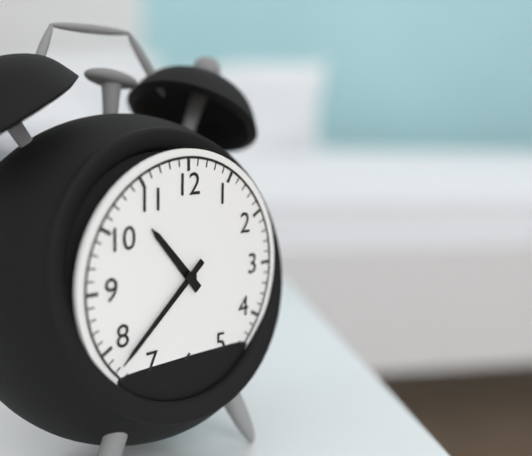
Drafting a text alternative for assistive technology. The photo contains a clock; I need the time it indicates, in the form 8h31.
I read 10h38
